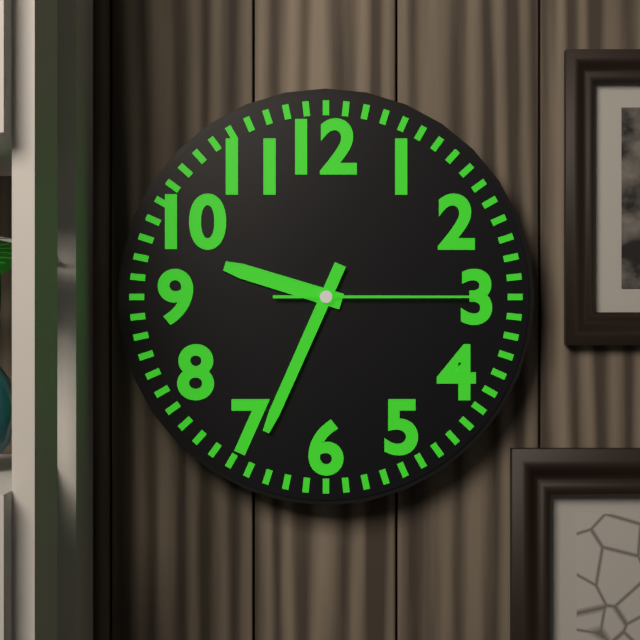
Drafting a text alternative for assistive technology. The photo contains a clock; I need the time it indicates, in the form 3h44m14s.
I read 9h34m15s
